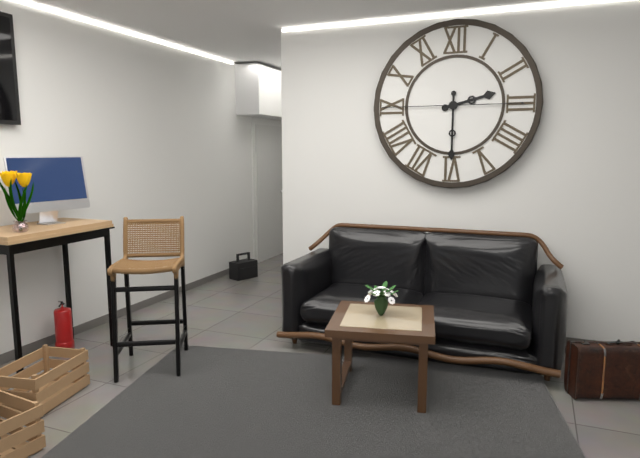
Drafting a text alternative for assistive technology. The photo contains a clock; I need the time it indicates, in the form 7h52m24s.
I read 2h30m45s
